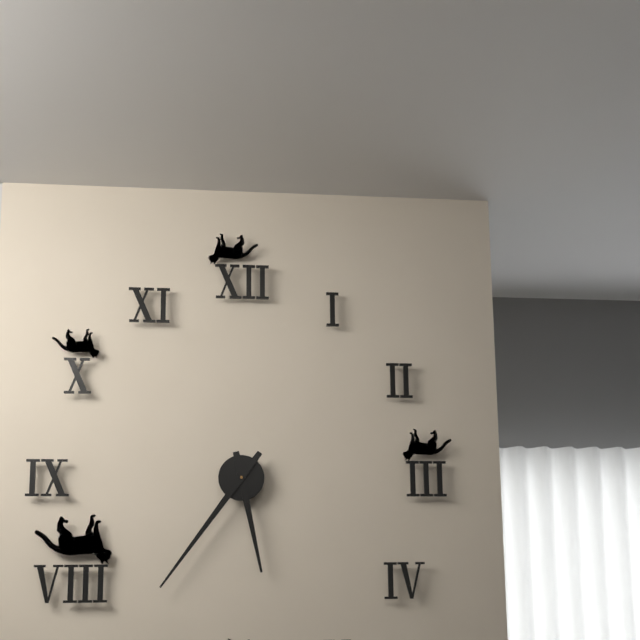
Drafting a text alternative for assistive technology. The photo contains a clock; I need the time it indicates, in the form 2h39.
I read 5h36
